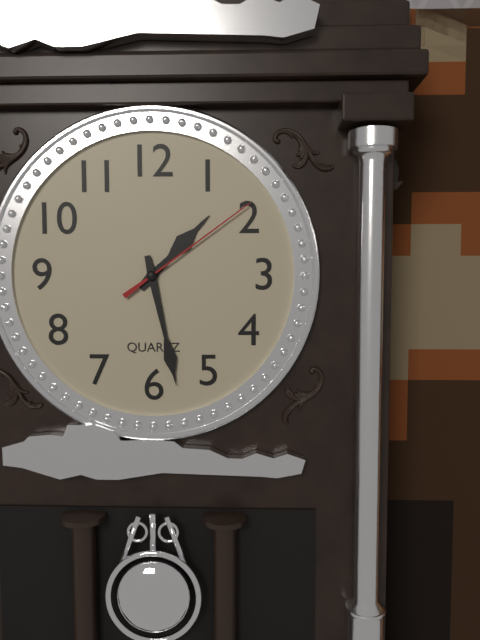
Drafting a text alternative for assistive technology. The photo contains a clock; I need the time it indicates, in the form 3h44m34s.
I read 1h28m09s
